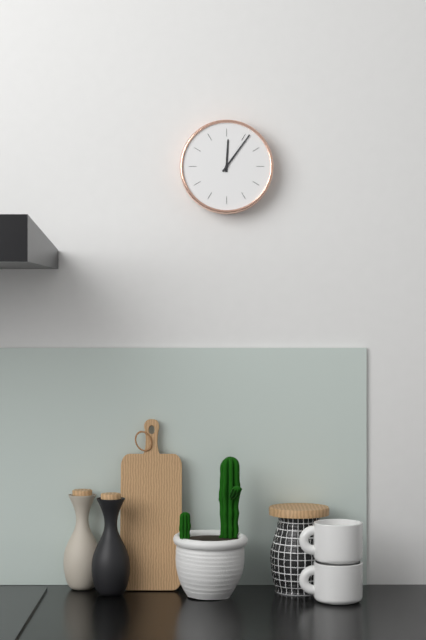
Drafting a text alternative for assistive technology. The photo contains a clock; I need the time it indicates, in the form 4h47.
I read 12h06
